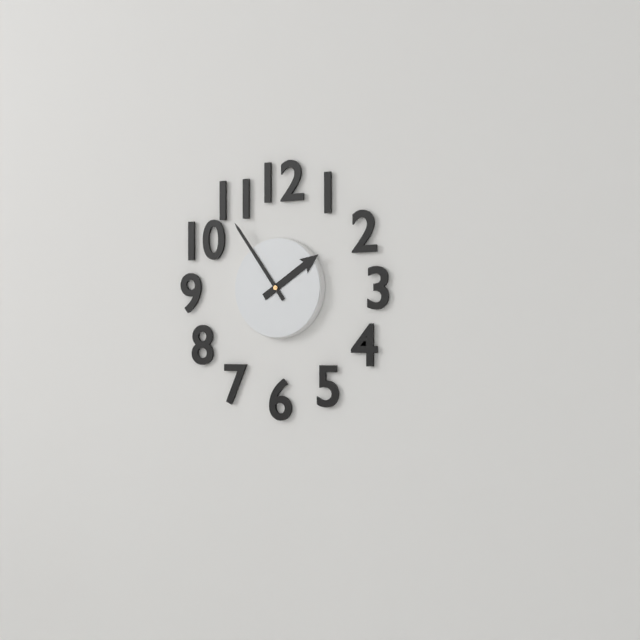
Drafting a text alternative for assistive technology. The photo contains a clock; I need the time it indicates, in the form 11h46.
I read 1h54
